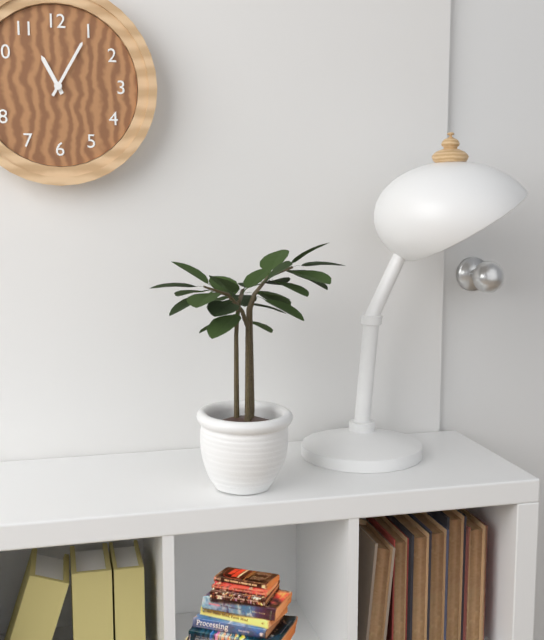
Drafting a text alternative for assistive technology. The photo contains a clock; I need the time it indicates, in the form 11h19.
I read 11h05
